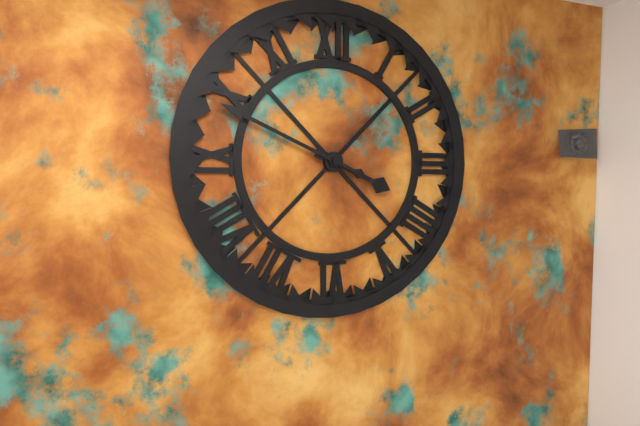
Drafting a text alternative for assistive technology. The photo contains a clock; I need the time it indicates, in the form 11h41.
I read 3h49
